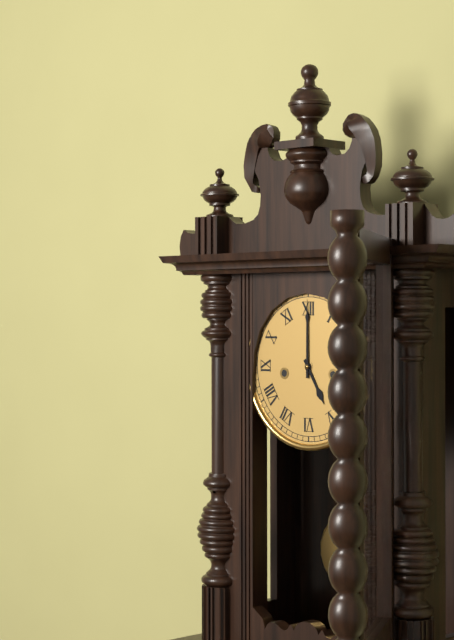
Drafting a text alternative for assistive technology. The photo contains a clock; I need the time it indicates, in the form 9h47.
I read 5h00
